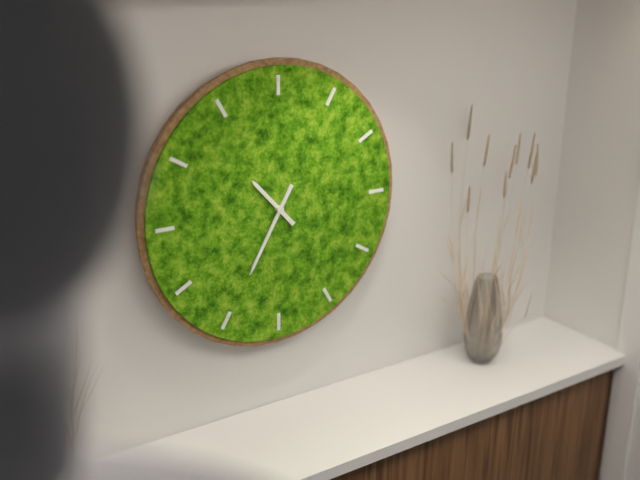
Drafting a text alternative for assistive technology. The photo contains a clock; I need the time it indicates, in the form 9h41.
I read 10h35
